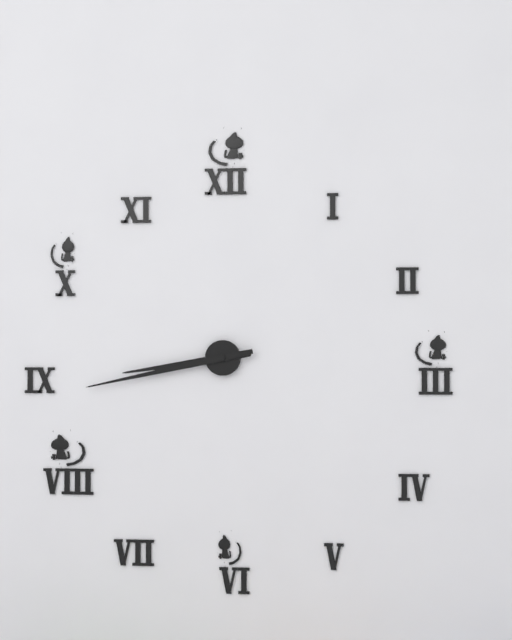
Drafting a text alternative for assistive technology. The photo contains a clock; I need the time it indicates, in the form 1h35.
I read 8h43
